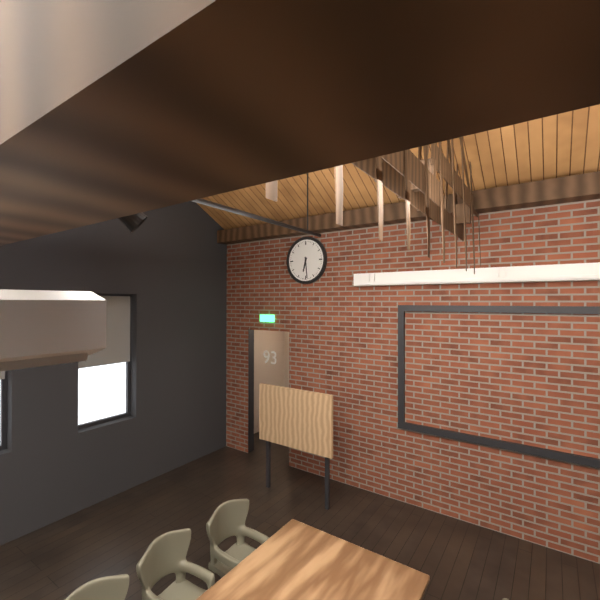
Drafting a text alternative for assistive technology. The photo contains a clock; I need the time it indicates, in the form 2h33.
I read 6h29
